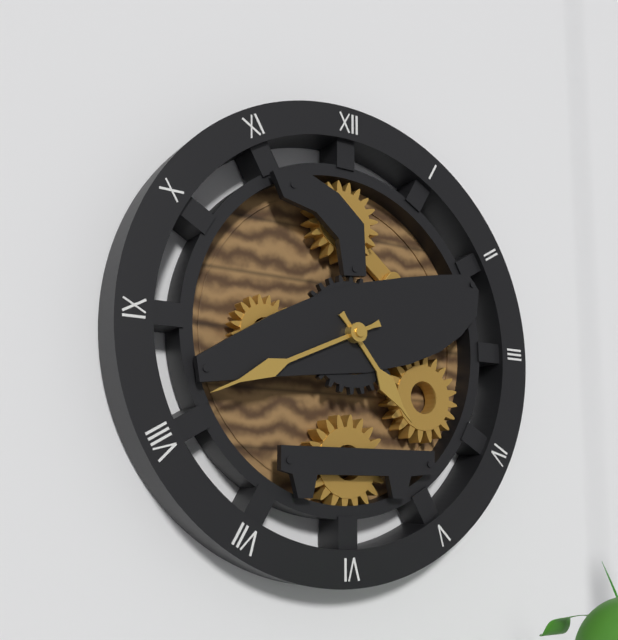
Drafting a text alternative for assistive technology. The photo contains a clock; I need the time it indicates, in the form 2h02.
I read 4h41
